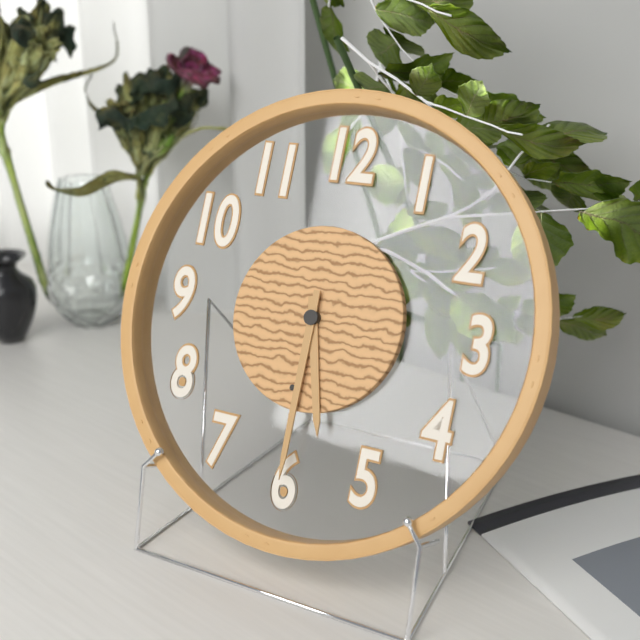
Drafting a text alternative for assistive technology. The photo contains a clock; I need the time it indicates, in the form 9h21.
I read 5h30
